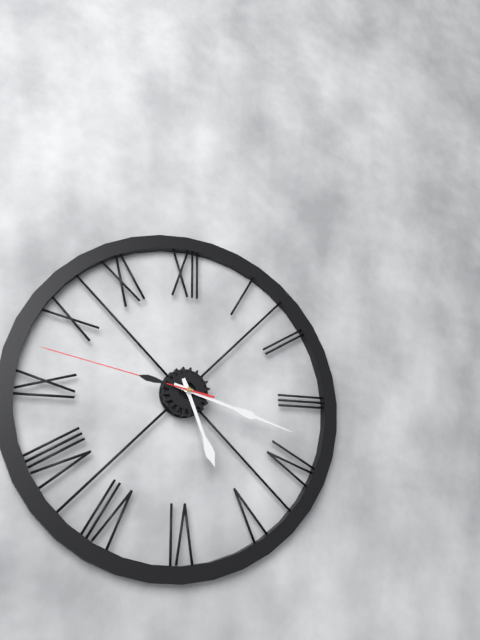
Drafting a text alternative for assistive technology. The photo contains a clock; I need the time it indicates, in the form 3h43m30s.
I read 5h18m47s
